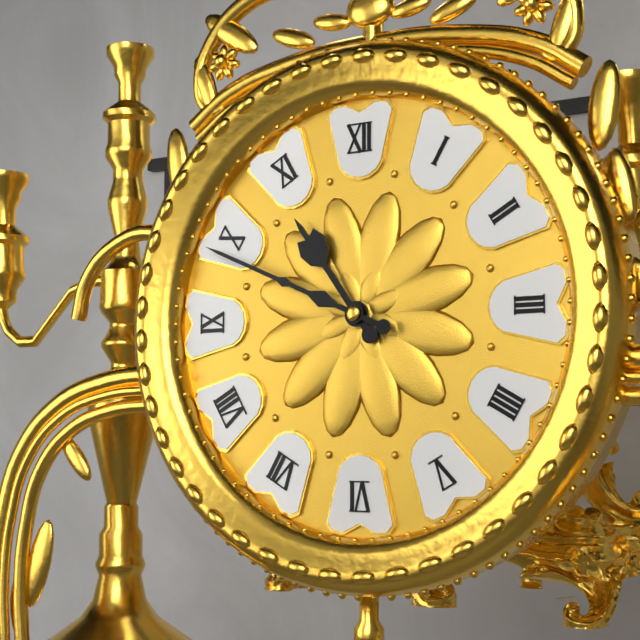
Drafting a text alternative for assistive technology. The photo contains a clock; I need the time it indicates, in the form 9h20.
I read 10h49
